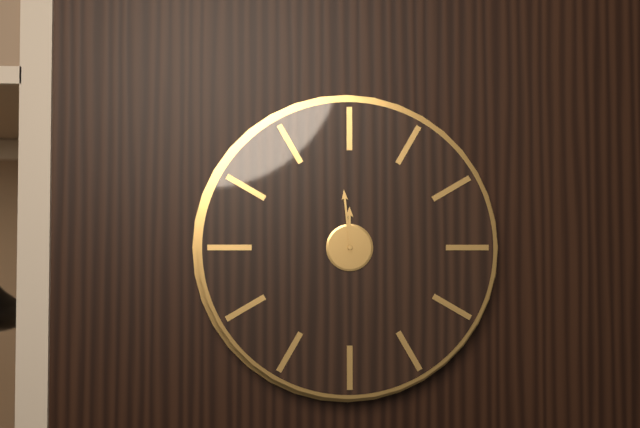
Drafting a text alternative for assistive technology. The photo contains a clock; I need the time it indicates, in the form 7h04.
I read 11h59
